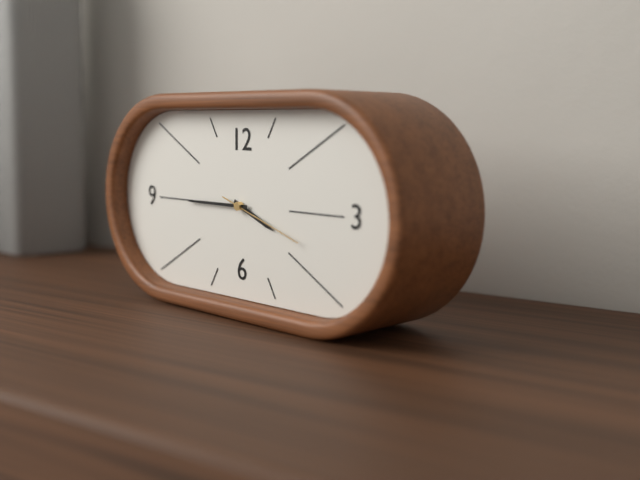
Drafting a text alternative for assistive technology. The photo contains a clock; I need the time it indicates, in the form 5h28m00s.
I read 3h45m18s
